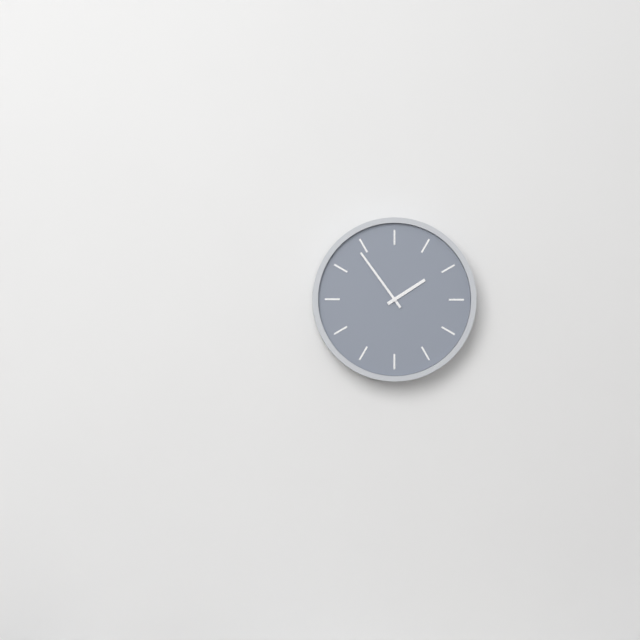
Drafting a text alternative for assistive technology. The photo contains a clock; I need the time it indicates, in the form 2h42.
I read 1h54
